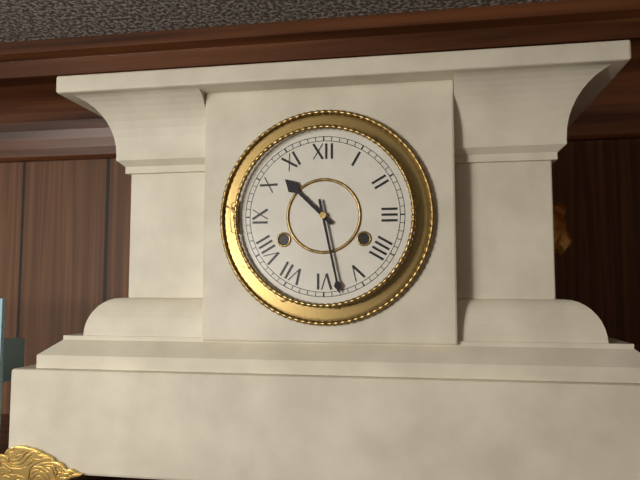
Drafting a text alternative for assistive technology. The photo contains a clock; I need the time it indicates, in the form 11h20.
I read 10h28
